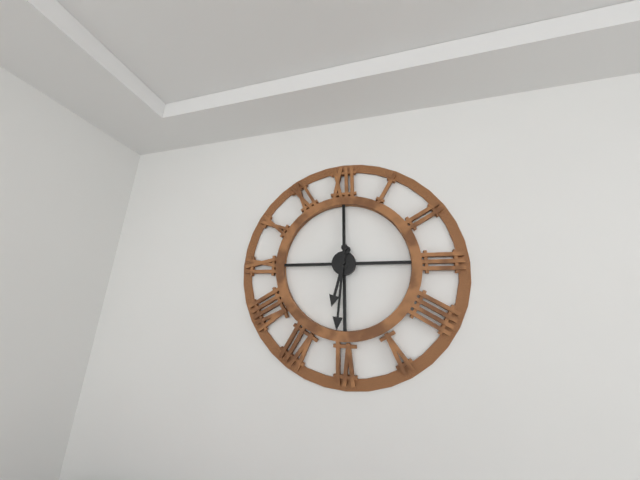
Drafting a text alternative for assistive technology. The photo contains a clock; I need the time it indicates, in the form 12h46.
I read 6h31
